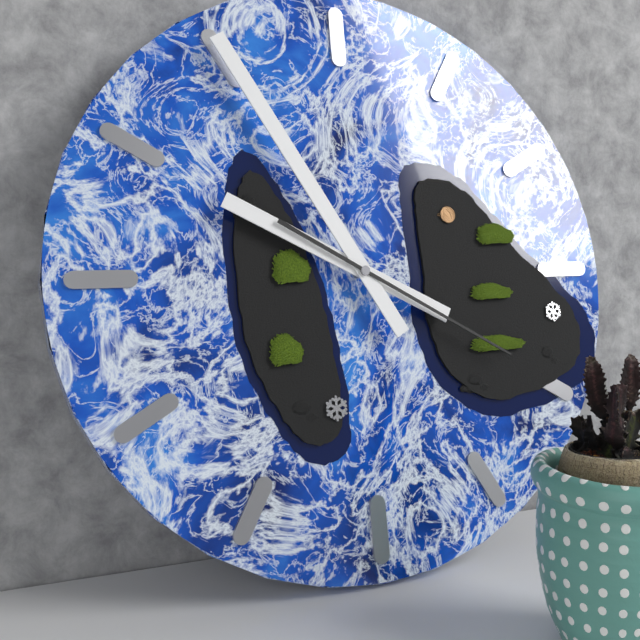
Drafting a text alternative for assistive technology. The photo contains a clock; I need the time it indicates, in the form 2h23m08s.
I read 9h55m20s
